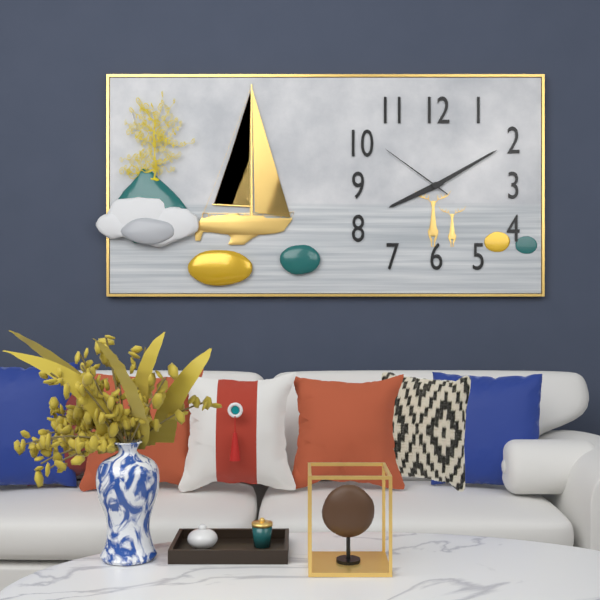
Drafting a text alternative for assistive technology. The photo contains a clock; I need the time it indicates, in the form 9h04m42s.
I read 8h10m51s
